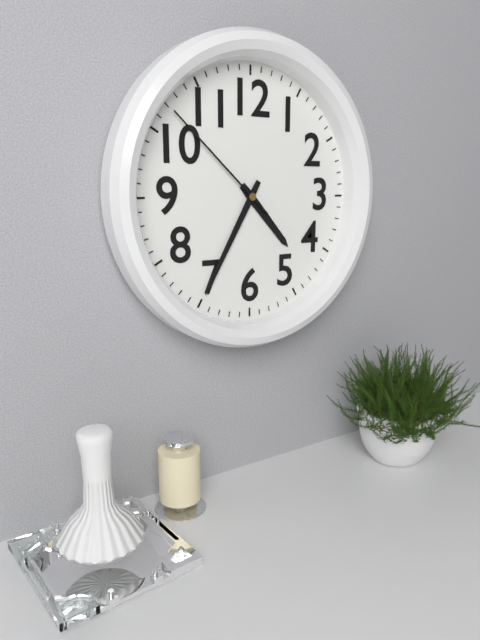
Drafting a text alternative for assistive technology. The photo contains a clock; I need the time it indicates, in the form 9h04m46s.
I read 4h35m52s
